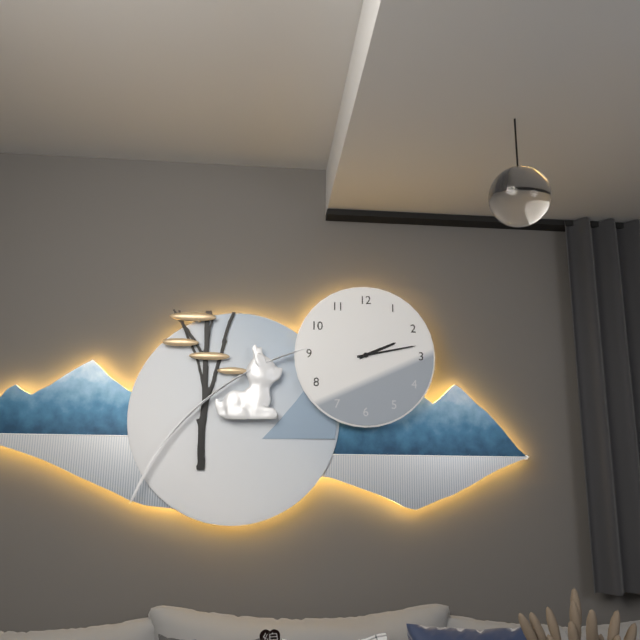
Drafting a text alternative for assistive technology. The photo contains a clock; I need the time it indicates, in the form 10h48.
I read 2h13
